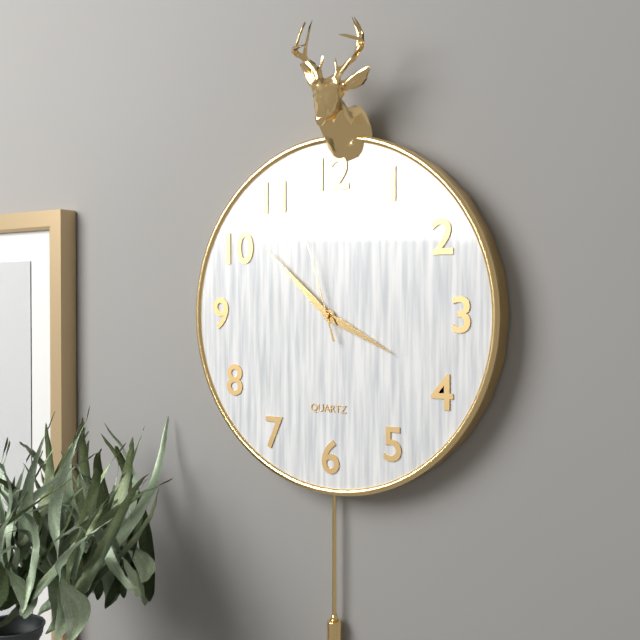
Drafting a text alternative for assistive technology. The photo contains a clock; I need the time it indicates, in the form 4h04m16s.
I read 3h52m57s
